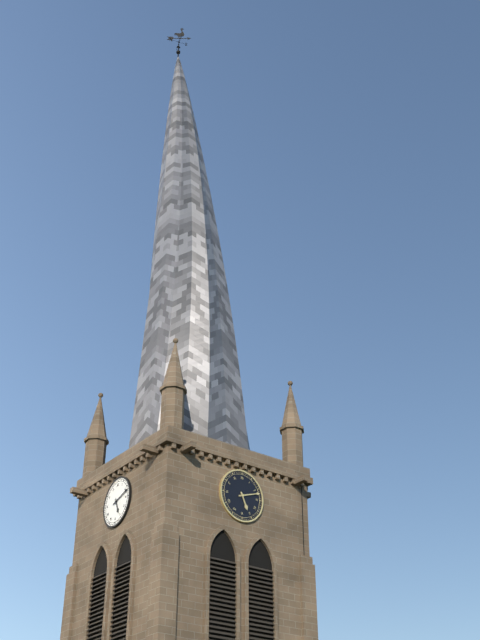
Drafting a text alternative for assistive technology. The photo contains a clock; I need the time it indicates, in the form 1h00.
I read 5h12
